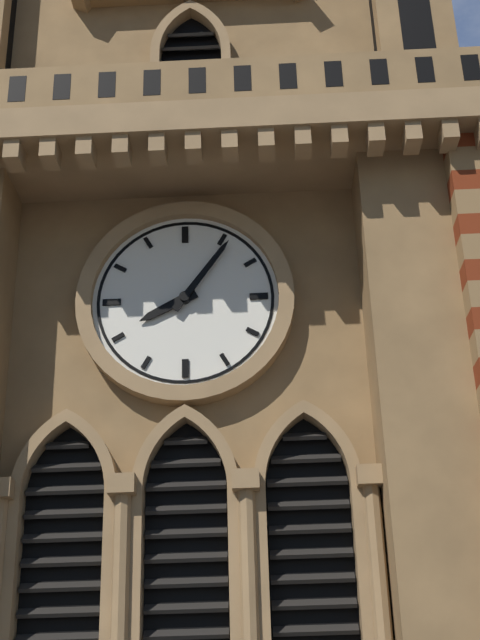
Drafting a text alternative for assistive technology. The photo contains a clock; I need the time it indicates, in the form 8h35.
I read 8h06
